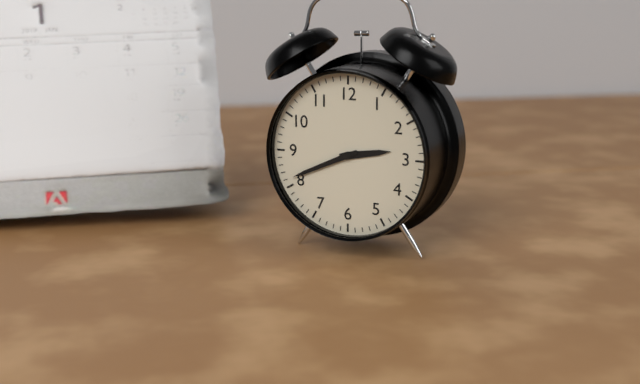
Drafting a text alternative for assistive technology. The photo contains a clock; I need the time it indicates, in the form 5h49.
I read 2h41
